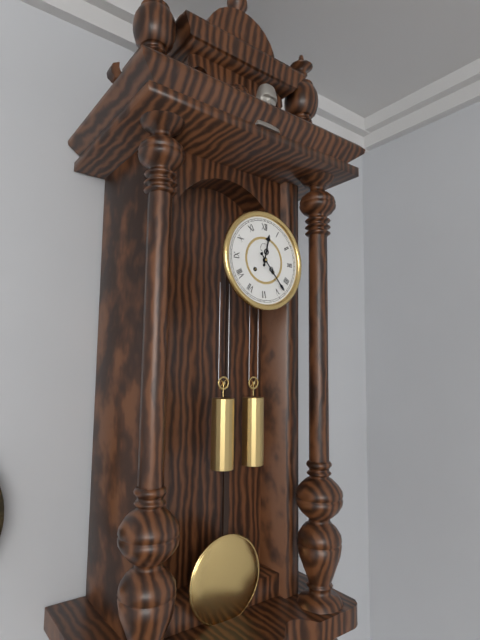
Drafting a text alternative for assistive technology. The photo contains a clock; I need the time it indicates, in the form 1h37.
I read 12h23
